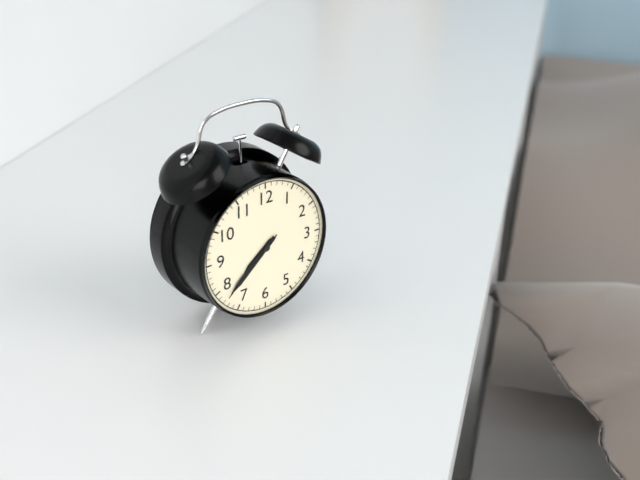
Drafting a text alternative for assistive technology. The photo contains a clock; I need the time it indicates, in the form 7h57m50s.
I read 7h38m38s
